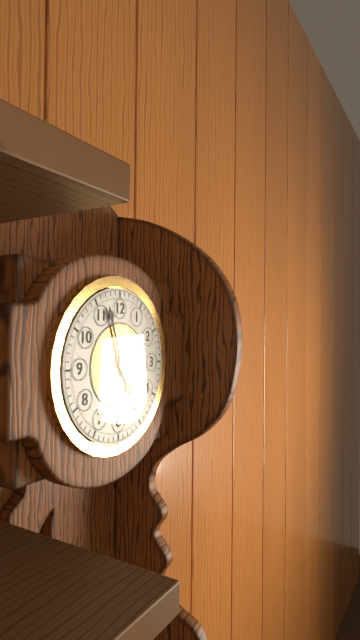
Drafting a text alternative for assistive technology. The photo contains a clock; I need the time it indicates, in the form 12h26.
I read 4h57
